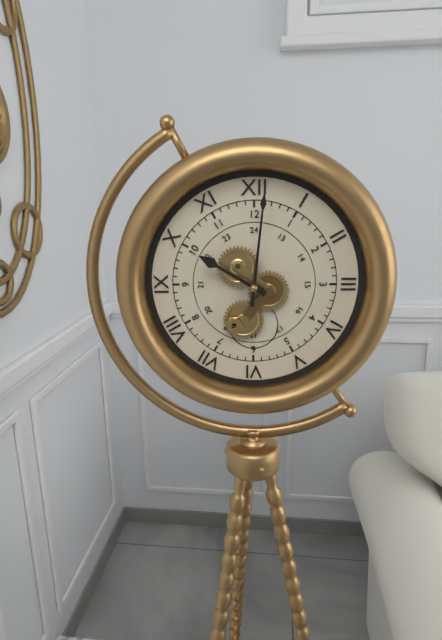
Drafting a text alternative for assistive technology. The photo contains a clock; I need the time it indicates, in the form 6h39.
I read 10h01
